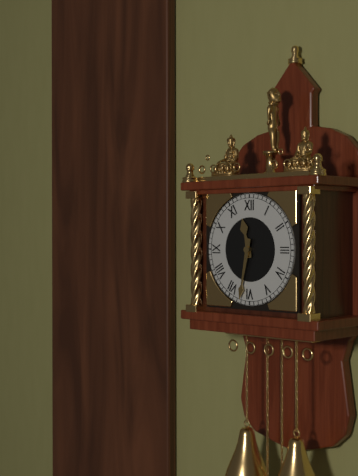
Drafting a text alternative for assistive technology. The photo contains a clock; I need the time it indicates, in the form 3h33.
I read 11h32
